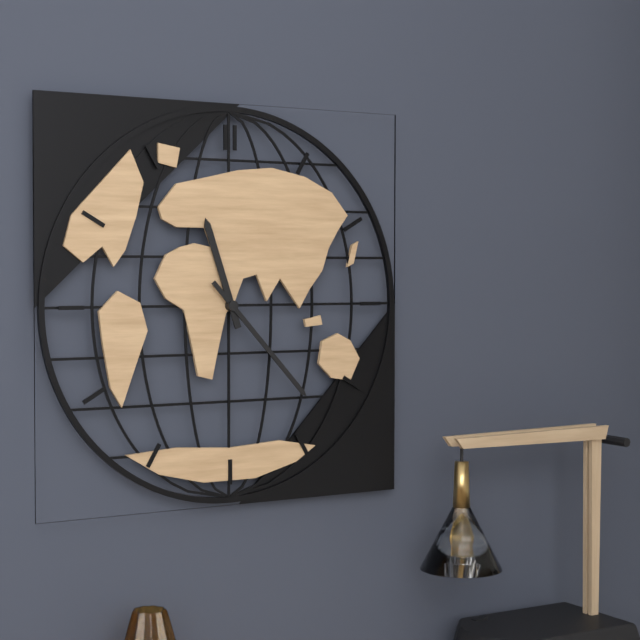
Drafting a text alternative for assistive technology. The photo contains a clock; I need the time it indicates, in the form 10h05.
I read 11h23
